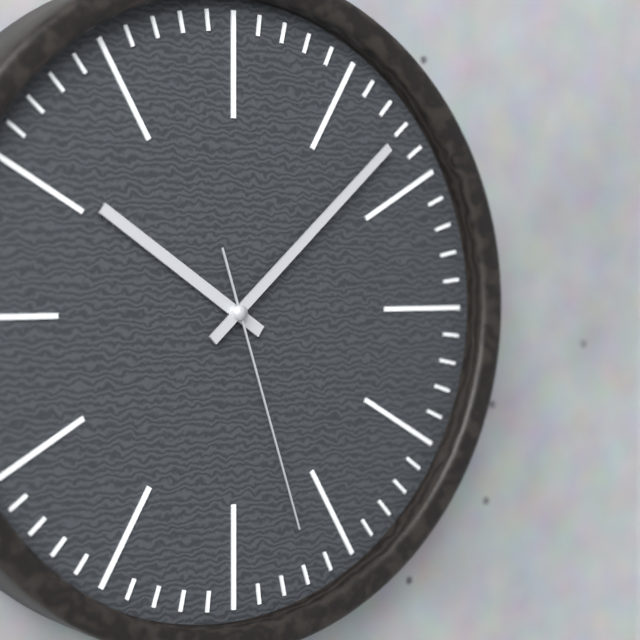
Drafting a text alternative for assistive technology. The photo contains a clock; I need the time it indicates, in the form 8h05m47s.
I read 10h08m27s
